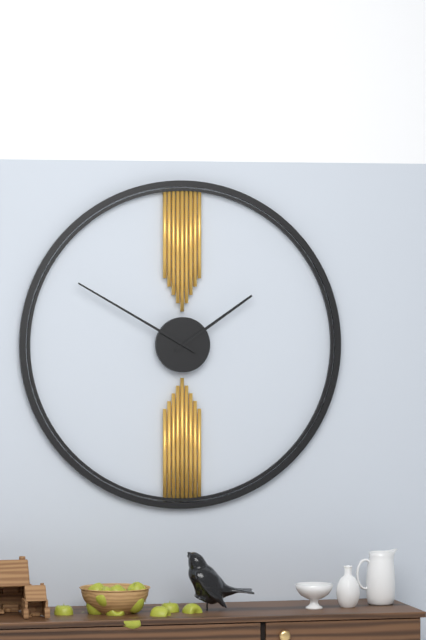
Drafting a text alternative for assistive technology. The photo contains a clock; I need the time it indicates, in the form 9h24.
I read 1h50
